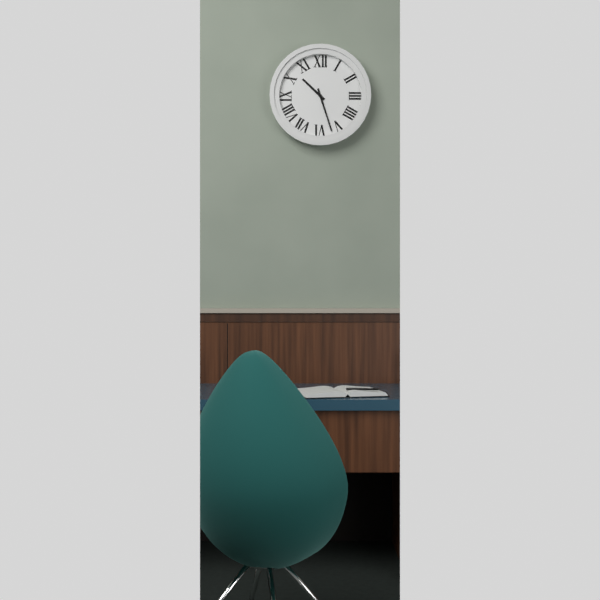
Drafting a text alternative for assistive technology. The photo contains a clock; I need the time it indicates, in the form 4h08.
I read 10h27
